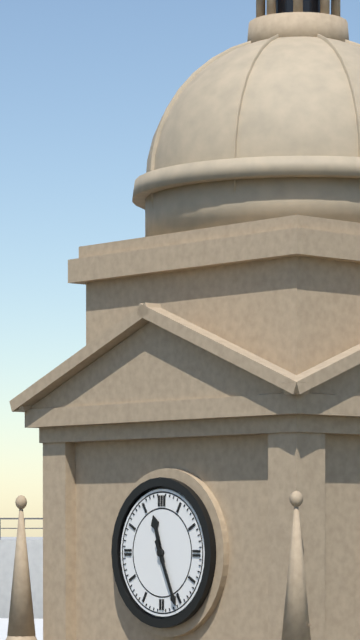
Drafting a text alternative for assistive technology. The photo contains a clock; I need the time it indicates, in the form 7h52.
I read 11h26
